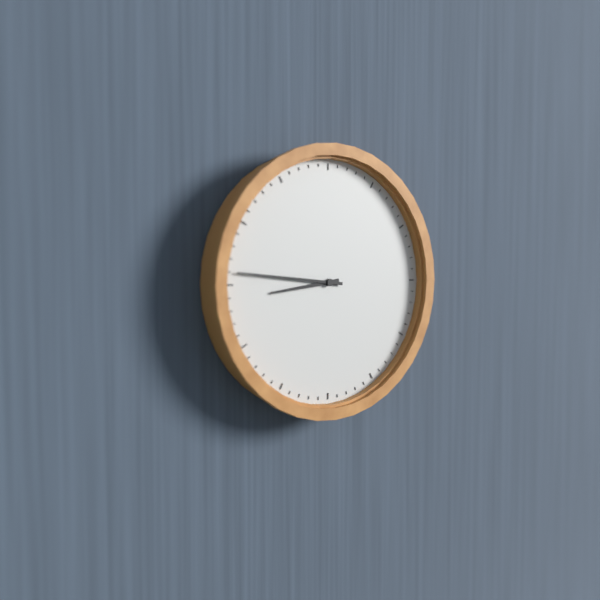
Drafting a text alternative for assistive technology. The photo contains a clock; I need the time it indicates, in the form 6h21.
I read 8h46
